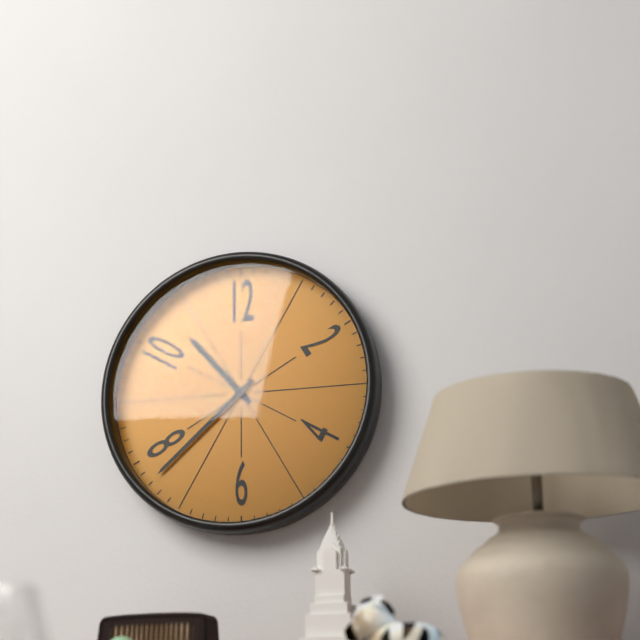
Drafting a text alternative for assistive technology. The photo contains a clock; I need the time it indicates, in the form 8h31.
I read 10h38
